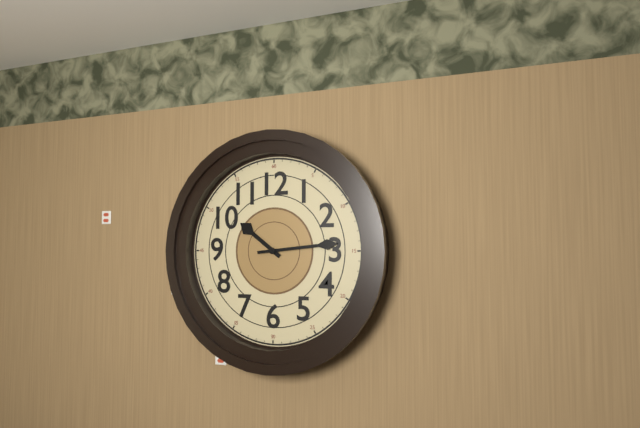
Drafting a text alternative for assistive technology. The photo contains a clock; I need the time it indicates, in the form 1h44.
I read 10h14
